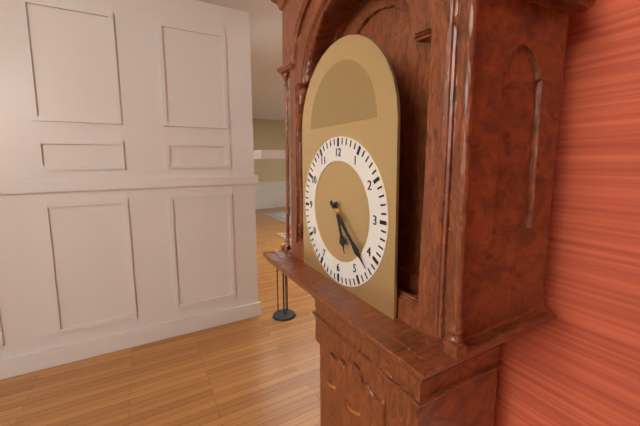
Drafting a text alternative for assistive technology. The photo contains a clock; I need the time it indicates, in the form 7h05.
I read 5h22
